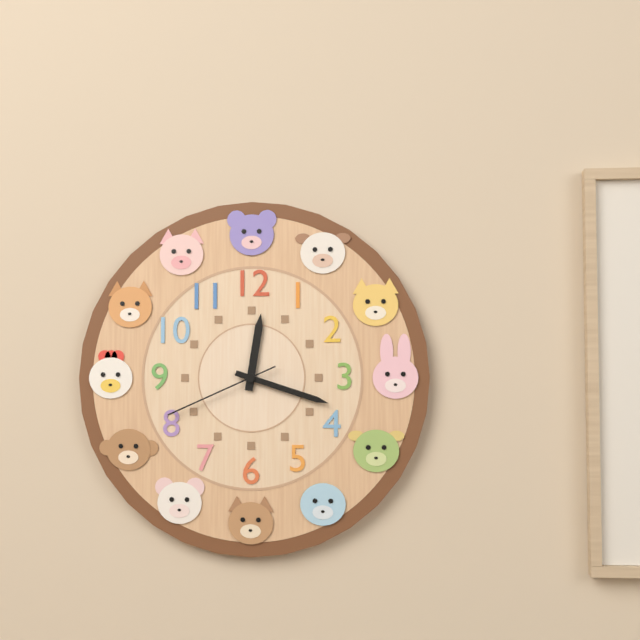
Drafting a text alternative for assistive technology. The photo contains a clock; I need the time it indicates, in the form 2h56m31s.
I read 12h18m41s
